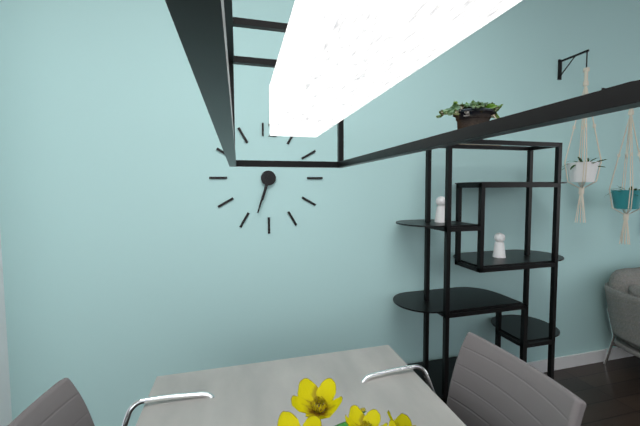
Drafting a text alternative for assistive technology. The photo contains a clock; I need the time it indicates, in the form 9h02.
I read 6h33
